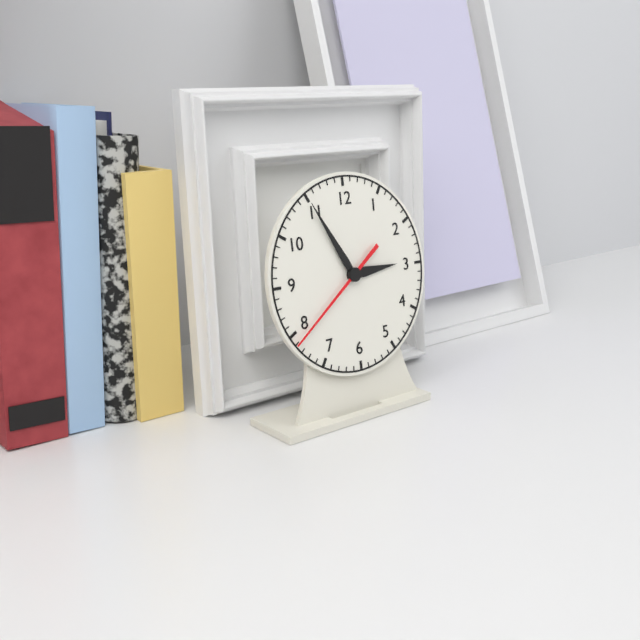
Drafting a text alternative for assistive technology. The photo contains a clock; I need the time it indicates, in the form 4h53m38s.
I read 2h55m39s
